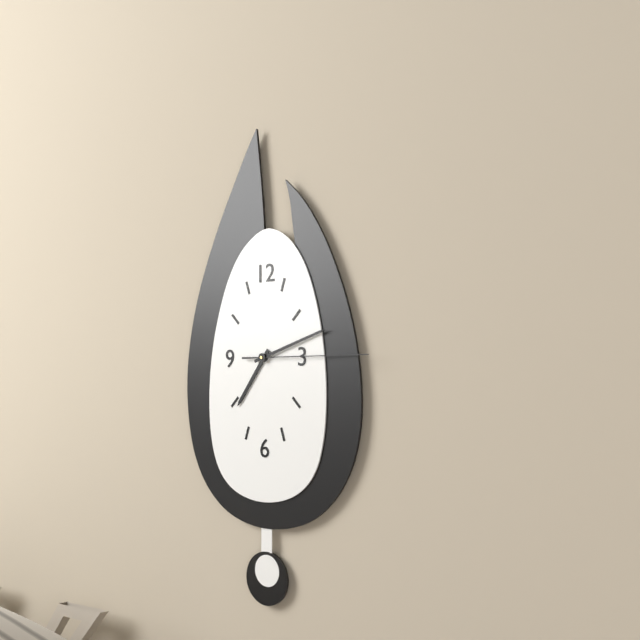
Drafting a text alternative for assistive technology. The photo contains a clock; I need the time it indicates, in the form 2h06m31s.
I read 7h12m15s
